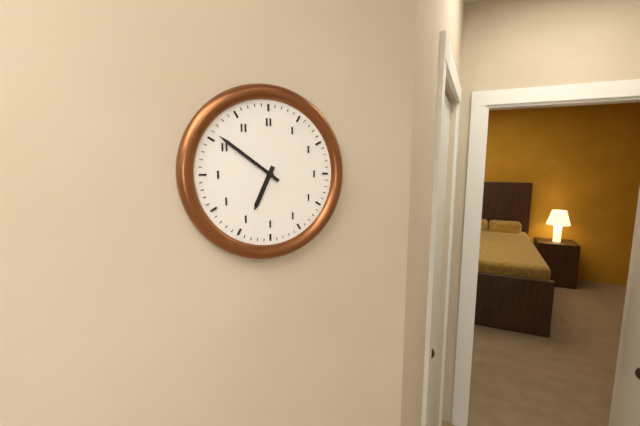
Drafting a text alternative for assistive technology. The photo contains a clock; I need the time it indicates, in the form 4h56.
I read 6h51
